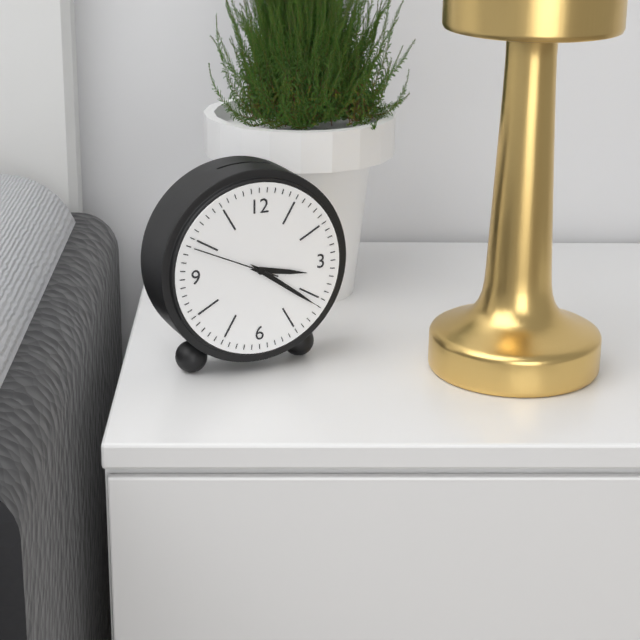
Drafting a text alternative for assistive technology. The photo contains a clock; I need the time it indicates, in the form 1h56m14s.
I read 3h21m49s
